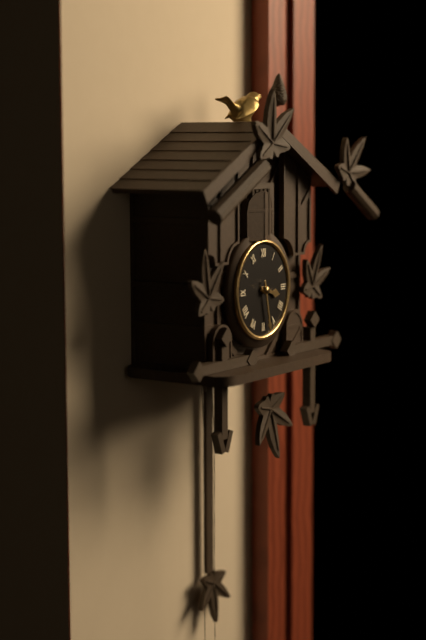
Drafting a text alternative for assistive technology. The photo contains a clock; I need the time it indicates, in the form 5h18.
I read 3h28
